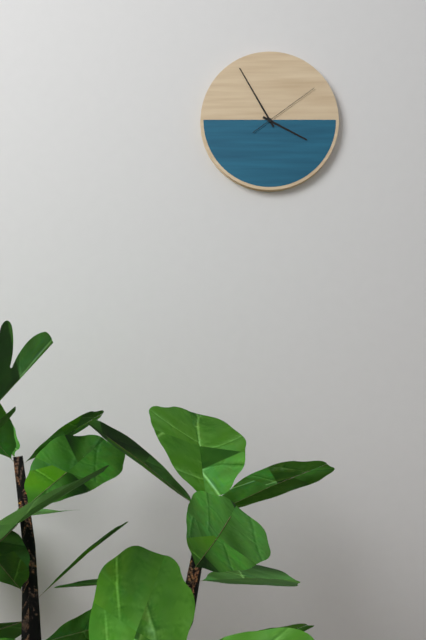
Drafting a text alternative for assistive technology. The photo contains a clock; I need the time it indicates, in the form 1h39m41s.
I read 3h55m09s
